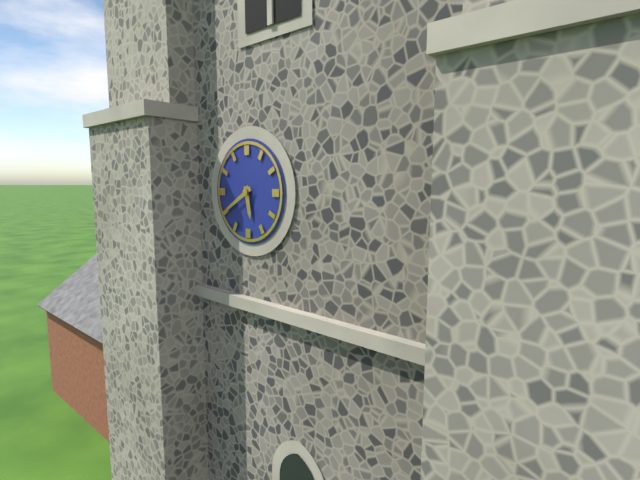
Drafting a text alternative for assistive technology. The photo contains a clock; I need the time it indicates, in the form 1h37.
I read 5h40
